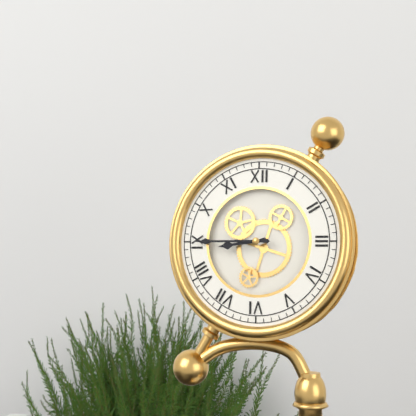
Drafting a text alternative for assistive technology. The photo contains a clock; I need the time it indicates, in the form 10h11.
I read 8h45
